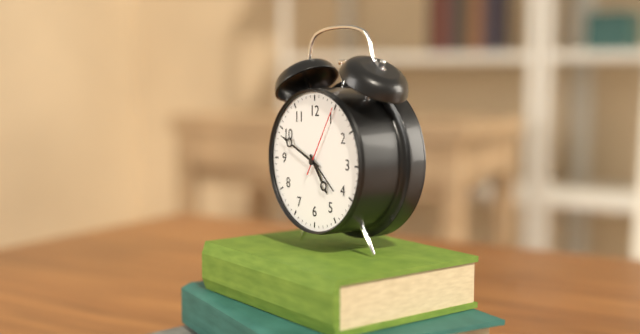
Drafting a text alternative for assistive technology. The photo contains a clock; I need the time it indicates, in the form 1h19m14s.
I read 4h49m05s
